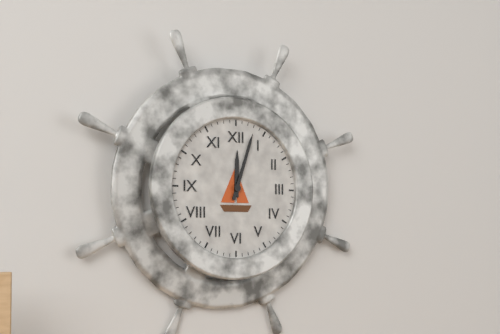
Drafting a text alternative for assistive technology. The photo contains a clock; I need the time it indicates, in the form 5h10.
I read 12h03
